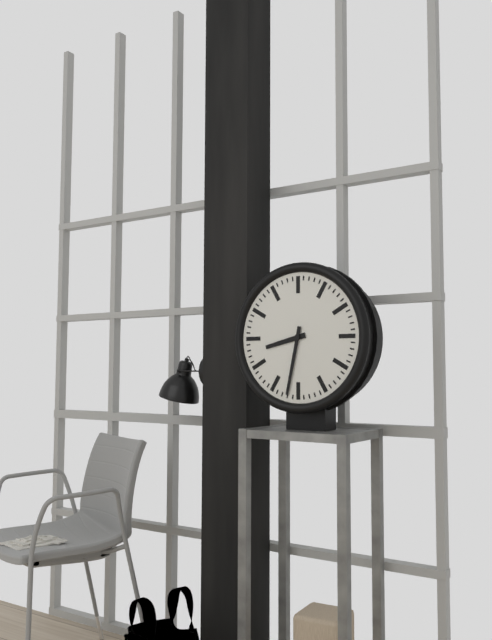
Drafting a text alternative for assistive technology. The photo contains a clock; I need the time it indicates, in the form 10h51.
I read 8h32
